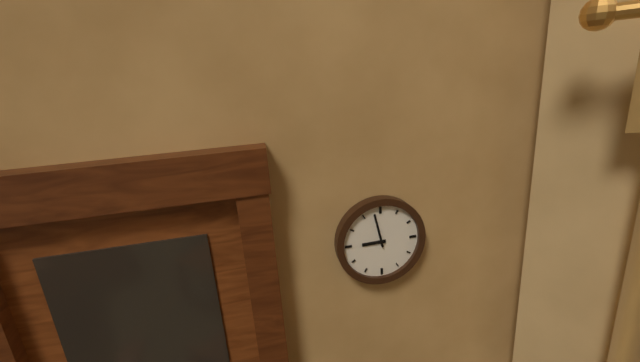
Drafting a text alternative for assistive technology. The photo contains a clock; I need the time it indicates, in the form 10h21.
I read 8h58
